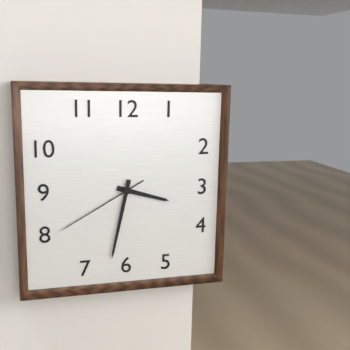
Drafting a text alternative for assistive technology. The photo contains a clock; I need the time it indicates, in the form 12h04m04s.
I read 3h32m40s
